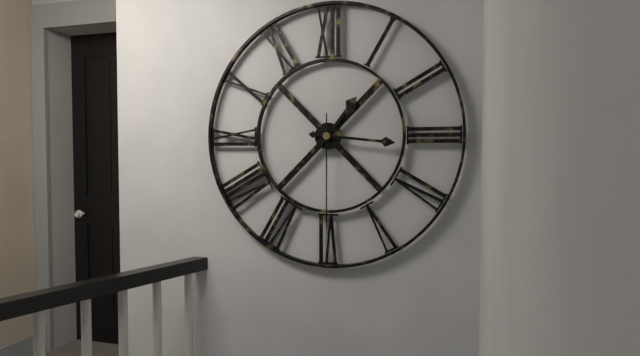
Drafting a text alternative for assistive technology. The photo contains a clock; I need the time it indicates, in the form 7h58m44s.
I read 1h16m30s
